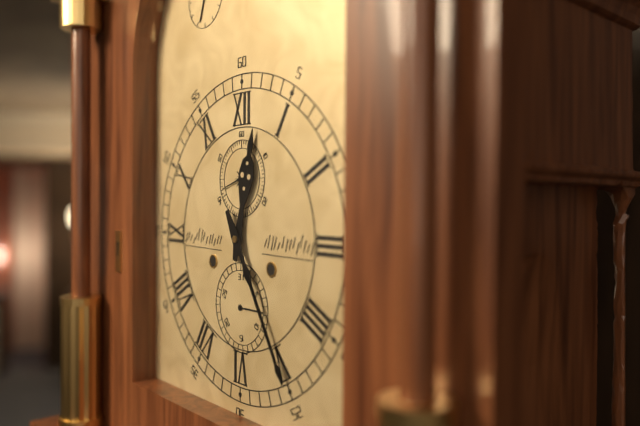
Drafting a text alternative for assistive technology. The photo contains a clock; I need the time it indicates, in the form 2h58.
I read 12h25
